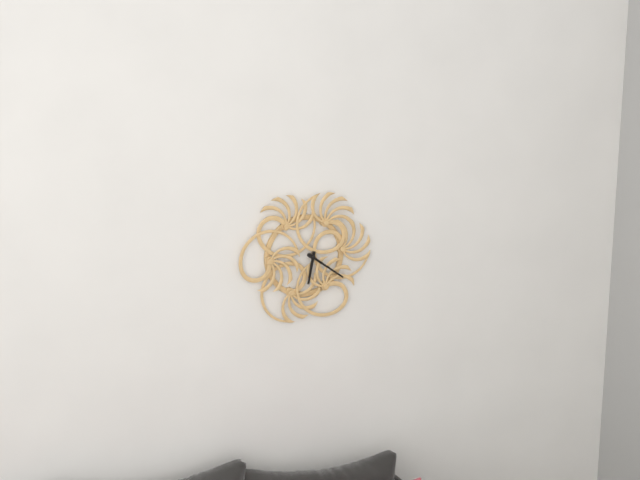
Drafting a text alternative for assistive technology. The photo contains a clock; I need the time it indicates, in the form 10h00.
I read 6h21
